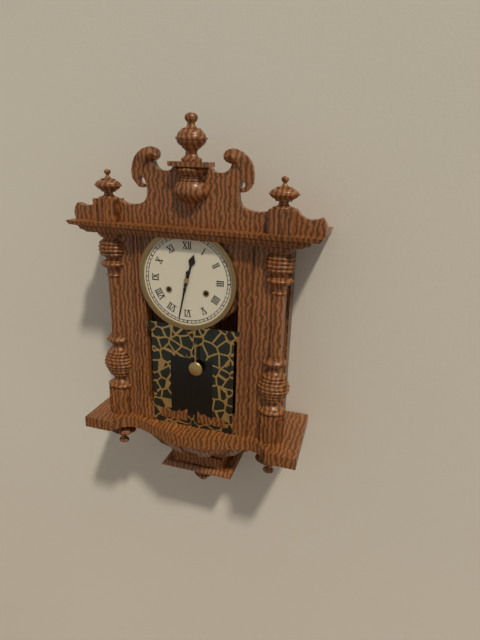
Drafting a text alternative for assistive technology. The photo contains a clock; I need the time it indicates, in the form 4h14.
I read 12h32
